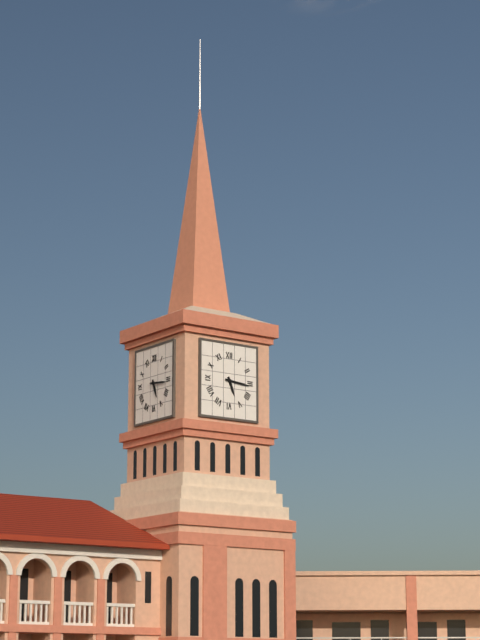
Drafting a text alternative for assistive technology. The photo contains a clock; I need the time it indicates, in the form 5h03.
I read 5h16
